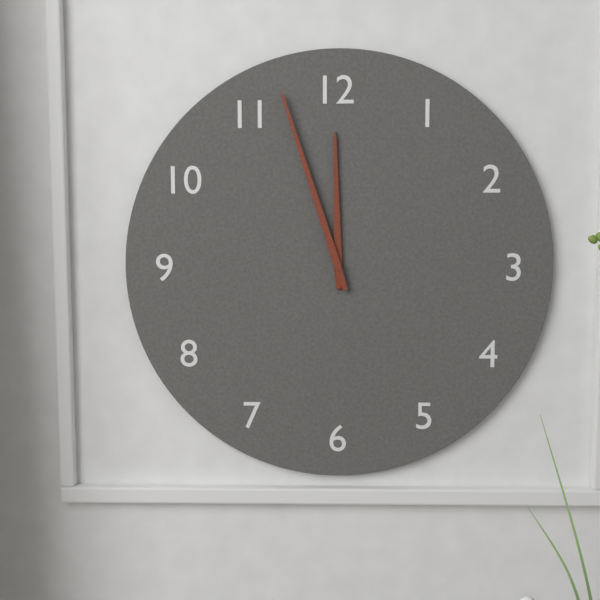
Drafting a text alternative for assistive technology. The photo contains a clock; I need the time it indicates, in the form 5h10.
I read 11h57
